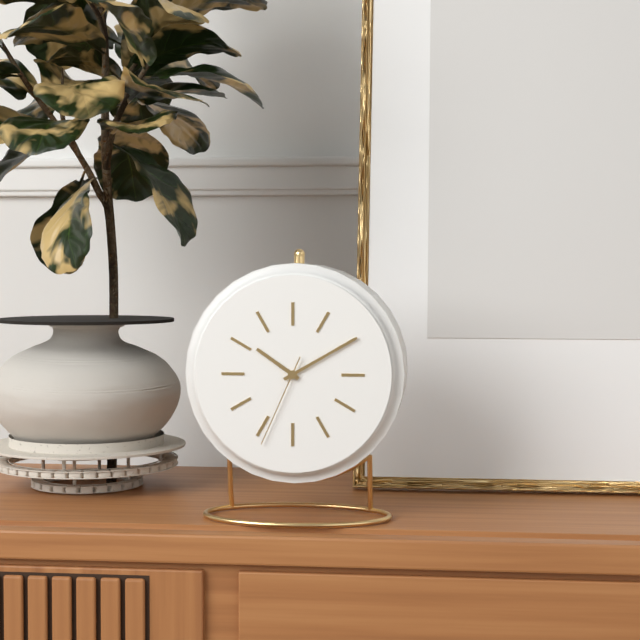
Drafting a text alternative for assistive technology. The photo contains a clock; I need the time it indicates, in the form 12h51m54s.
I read 10h10m34s
